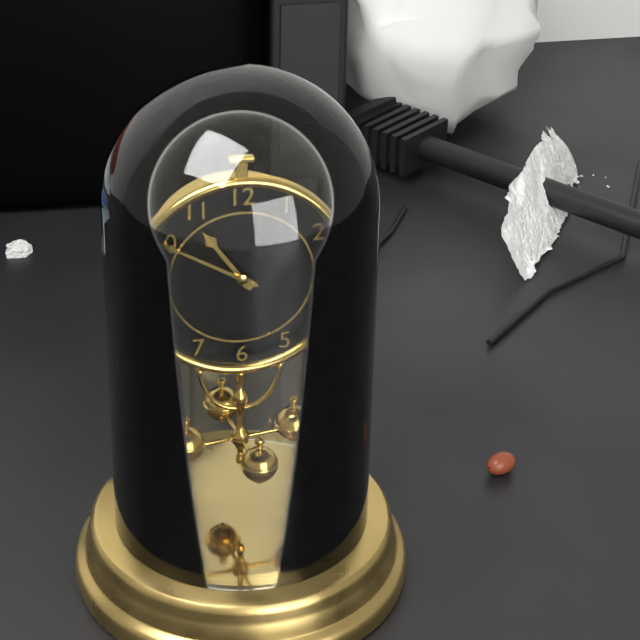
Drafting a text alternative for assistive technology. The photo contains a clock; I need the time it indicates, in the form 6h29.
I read 10h50
